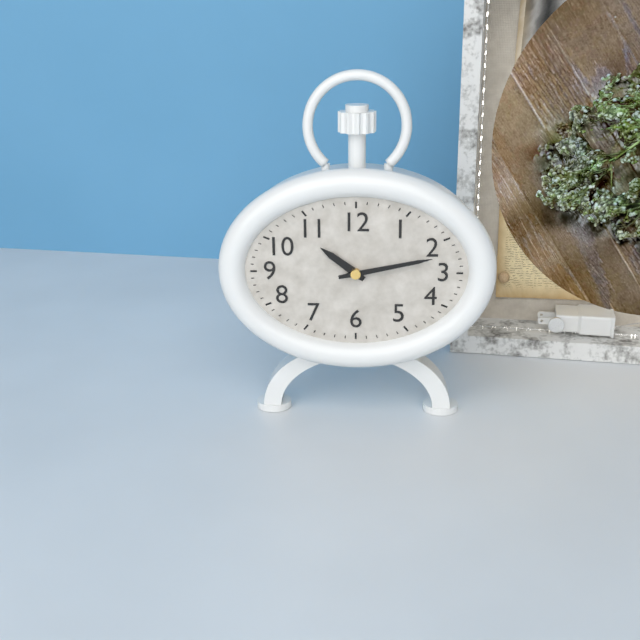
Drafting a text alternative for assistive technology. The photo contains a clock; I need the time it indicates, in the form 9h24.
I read 10h13
